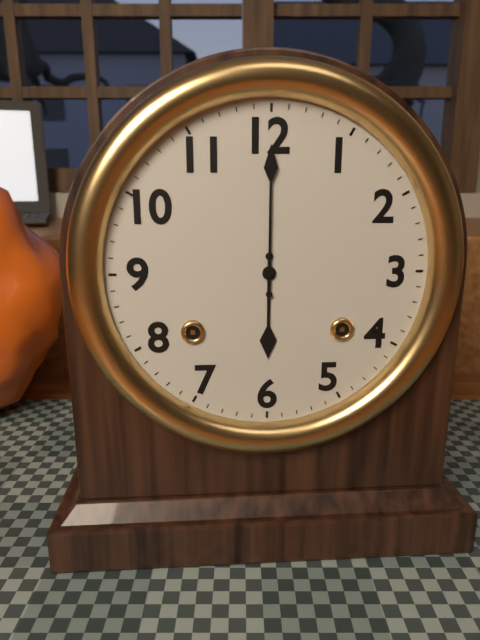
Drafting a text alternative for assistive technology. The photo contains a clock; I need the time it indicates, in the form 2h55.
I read 6h00
